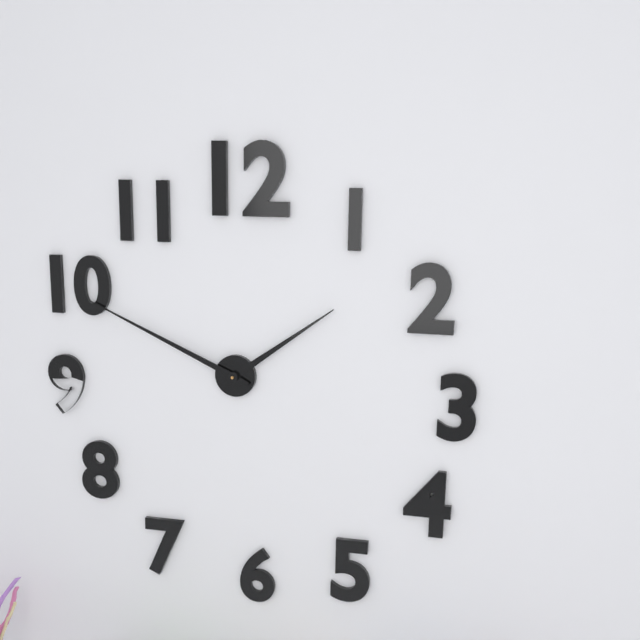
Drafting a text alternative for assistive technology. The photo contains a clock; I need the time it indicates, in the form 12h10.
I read 1h49
